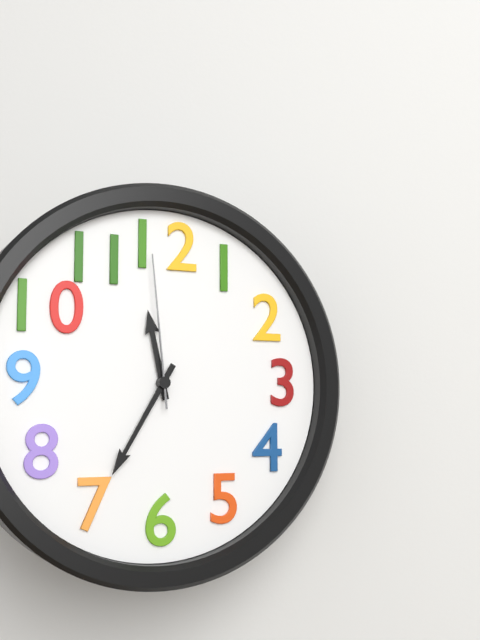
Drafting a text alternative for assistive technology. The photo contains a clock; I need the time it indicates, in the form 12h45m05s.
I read 11h35m59s
